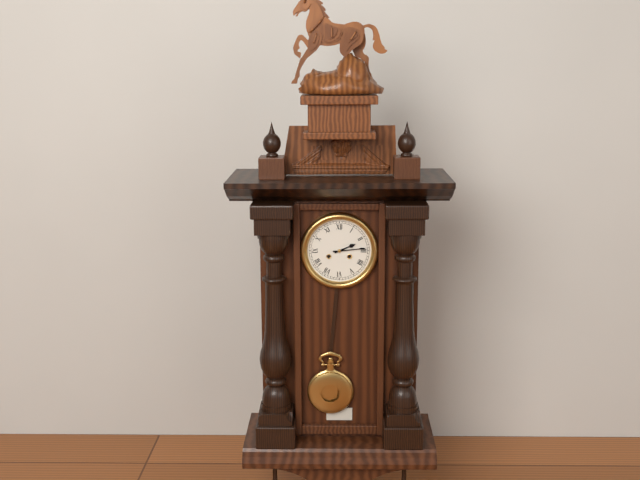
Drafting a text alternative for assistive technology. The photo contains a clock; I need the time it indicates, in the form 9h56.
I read 2h14
